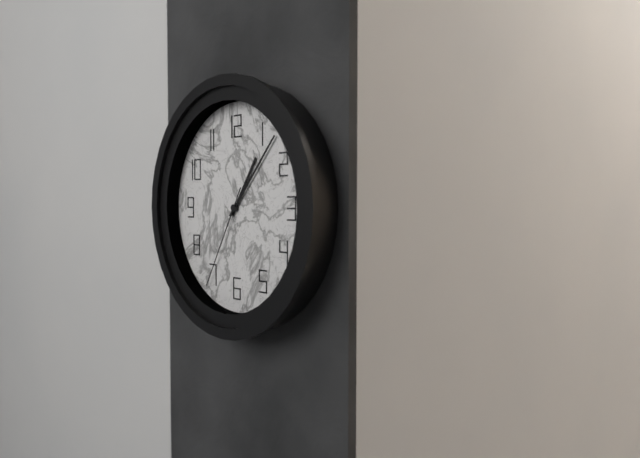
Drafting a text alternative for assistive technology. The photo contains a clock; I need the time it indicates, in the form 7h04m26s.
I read 1h07m35s
